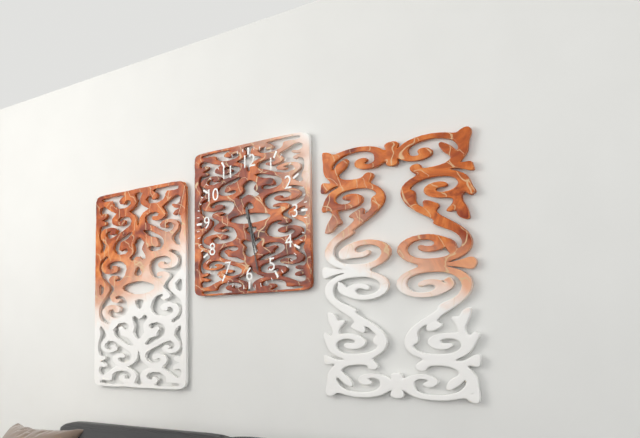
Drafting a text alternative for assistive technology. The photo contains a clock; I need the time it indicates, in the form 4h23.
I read 5h28
